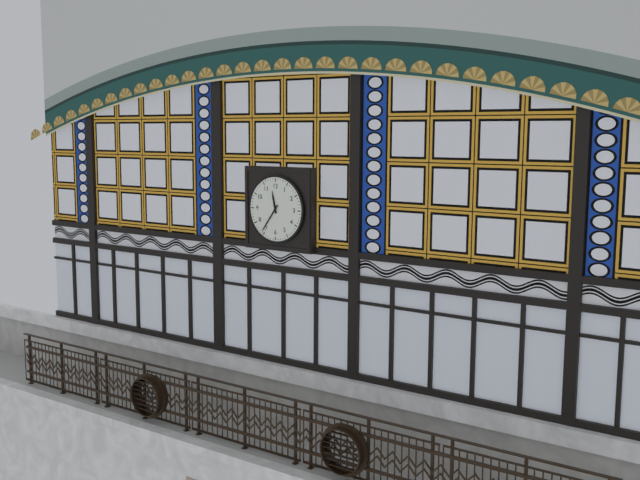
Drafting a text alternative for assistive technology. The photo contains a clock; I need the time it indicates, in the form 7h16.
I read 11h36
